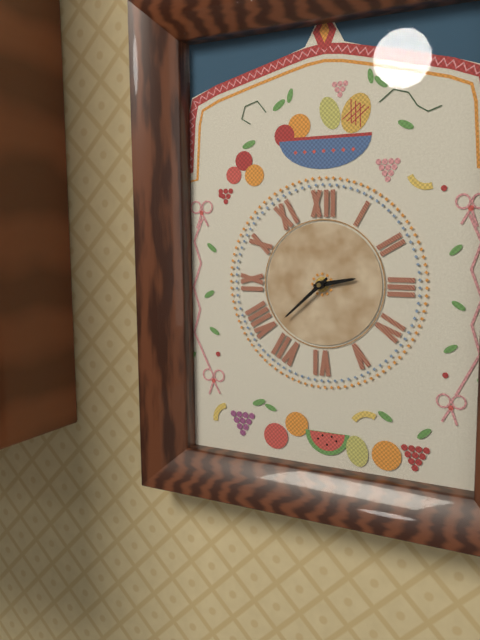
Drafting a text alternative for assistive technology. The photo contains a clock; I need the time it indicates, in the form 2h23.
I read 2h38
